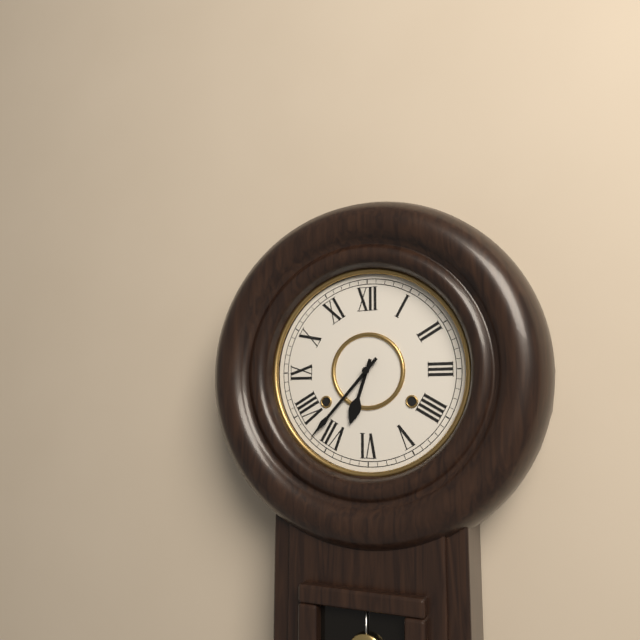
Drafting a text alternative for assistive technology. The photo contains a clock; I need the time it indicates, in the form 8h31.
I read 6h37
